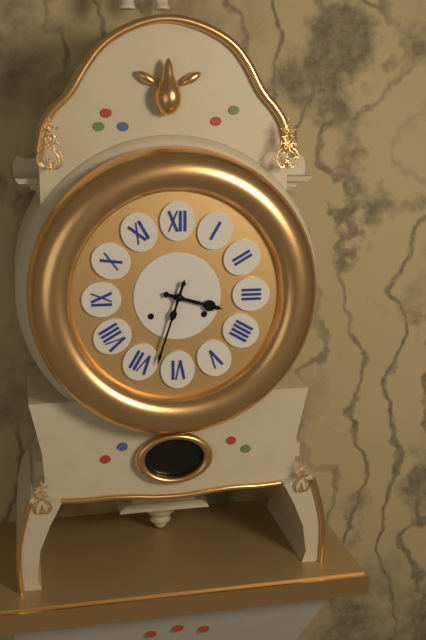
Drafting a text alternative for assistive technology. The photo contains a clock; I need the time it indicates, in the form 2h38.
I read 3h33
